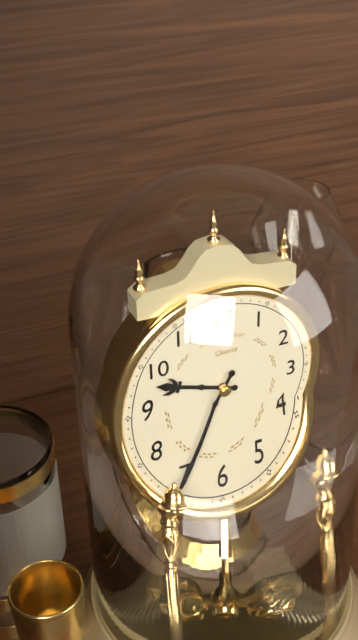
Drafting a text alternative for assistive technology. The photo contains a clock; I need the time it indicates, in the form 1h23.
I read 9h35
